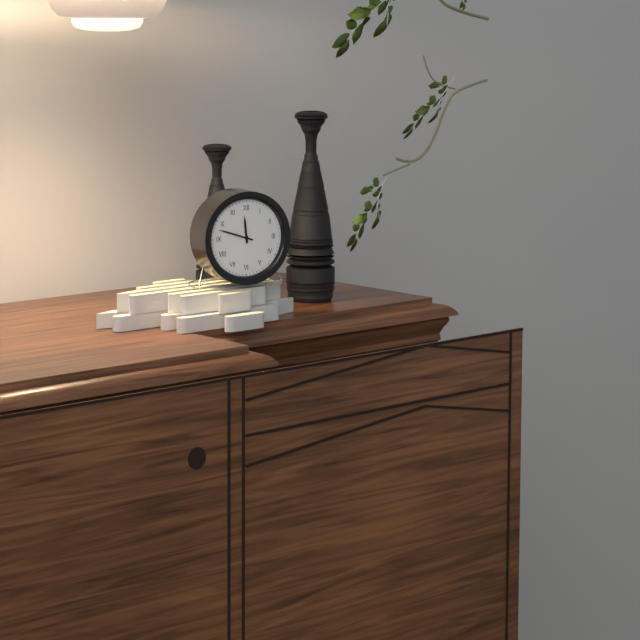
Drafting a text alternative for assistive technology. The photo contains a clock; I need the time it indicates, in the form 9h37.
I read 11h48
